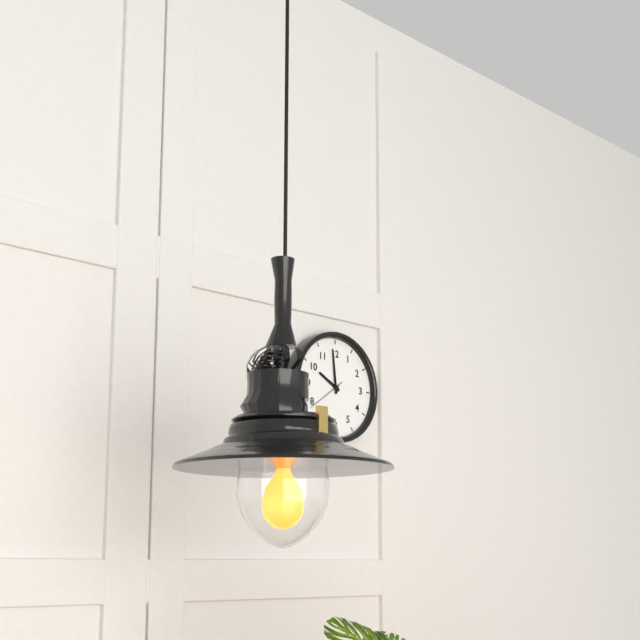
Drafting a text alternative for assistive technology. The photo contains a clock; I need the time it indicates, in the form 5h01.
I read 9h59
